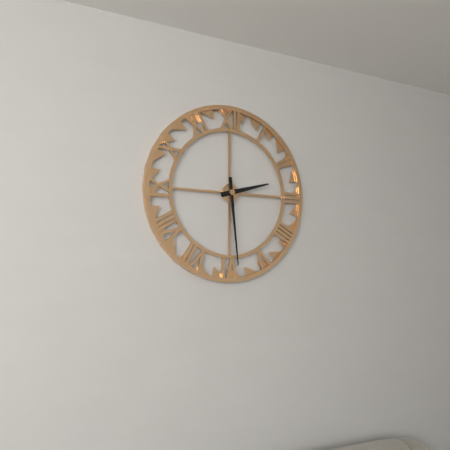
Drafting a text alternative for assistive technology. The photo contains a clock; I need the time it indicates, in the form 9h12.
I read 2h29
